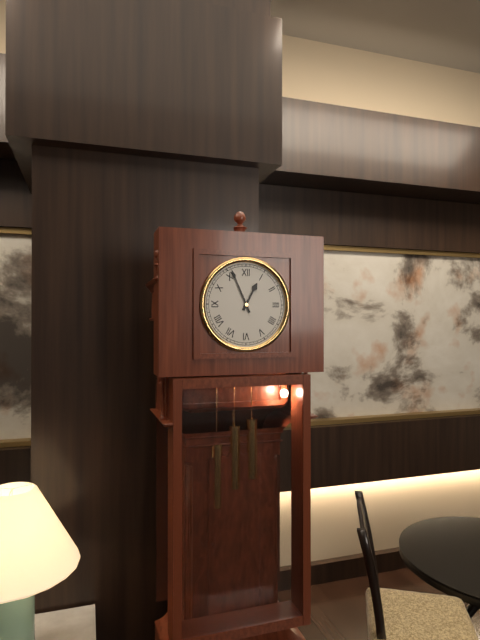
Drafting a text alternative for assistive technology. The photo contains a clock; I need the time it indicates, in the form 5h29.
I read 12h56
